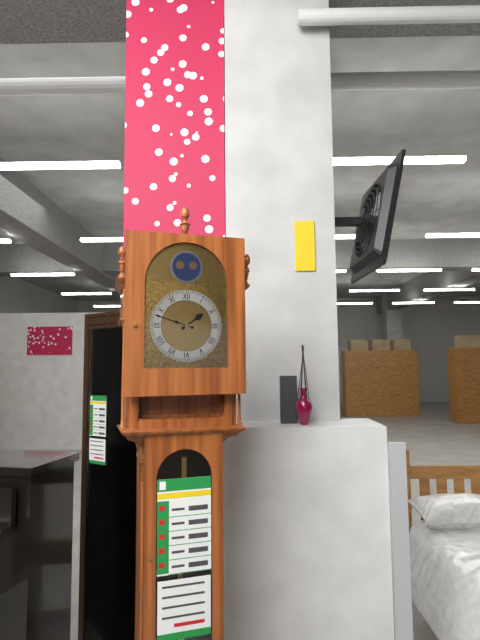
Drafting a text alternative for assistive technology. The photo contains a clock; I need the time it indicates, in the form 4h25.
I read 1h48
